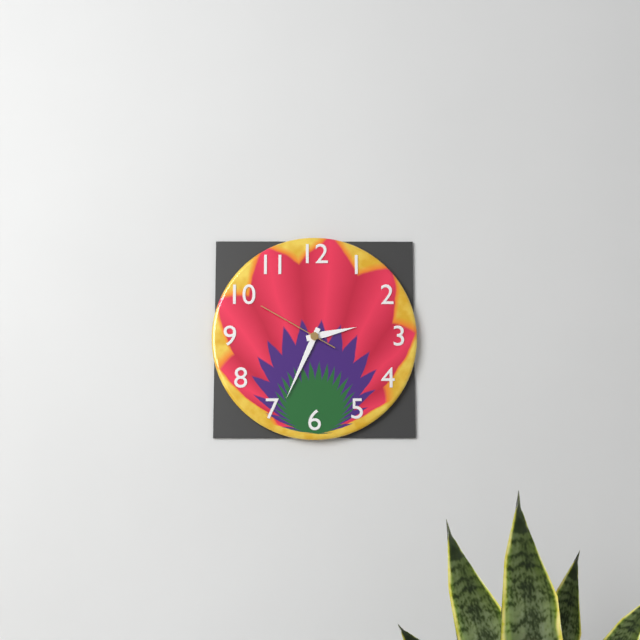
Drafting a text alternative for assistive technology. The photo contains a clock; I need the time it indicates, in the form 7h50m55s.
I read 2h34m50s
